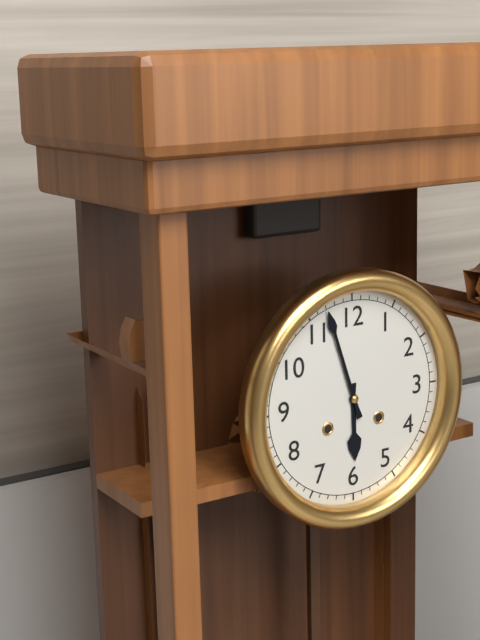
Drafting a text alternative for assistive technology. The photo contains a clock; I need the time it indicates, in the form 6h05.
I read 5h57
